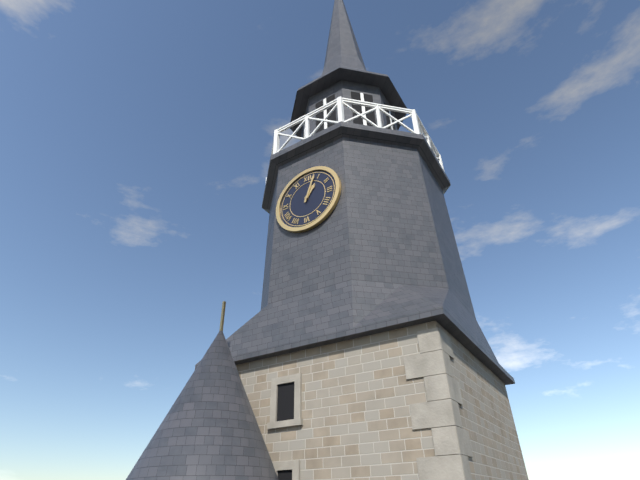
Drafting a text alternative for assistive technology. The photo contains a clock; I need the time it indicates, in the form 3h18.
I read 1h03
